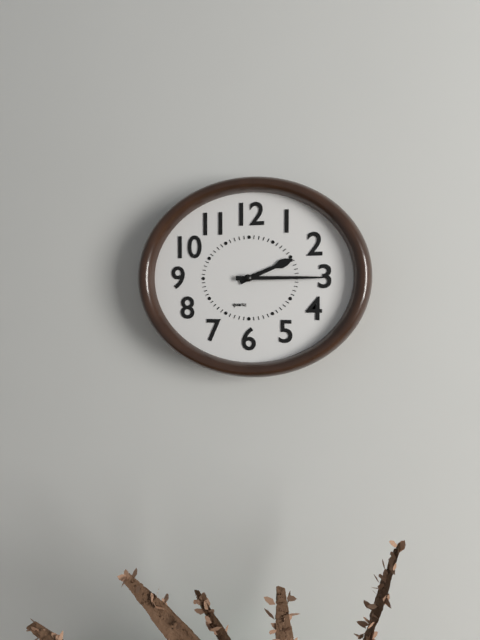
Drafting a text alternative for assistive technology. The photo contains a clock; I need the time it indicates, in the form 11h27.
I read 2h15
